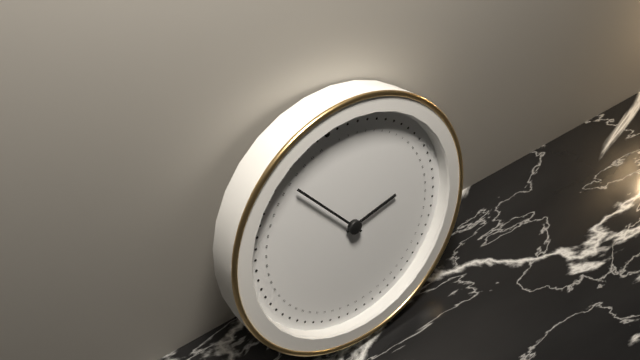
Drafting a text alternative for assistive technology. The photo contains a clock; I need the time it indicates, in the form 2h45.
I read 2h55
